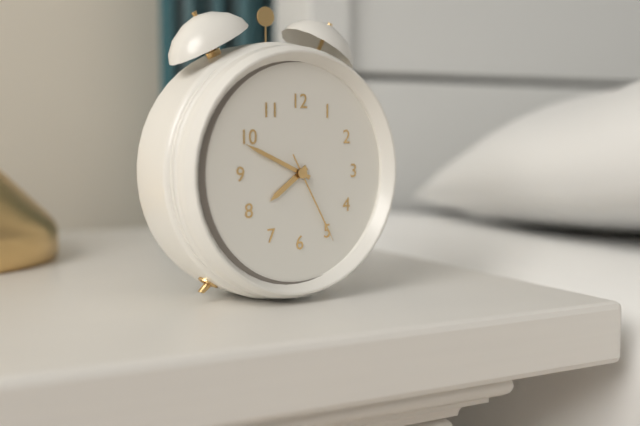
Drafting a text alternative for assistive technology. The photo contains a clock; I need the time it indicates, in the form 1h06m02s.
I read 7h49m25s
